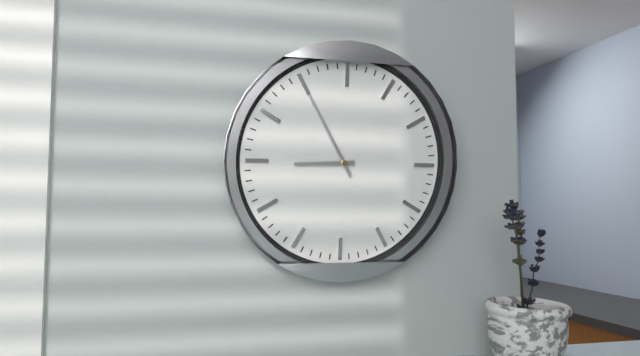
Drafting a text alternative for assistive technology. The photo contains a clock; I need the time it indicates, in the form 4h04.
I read 8h55
